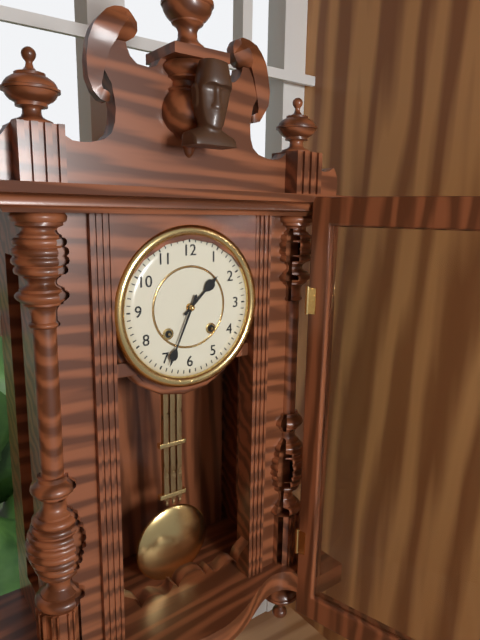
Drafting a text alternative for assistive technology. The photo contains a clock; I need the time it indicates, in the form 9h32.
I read 1h34
